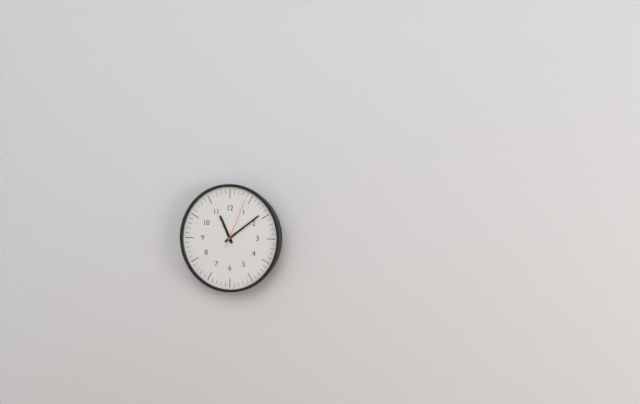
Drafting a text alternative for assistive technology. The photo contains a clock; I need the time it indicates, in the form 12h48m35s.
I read 11h09m04s
